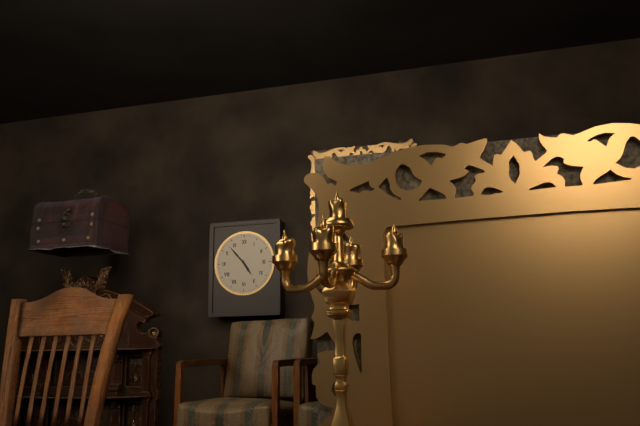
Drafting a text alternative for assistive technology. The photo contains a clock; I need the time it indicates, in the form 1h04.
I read 4h53
